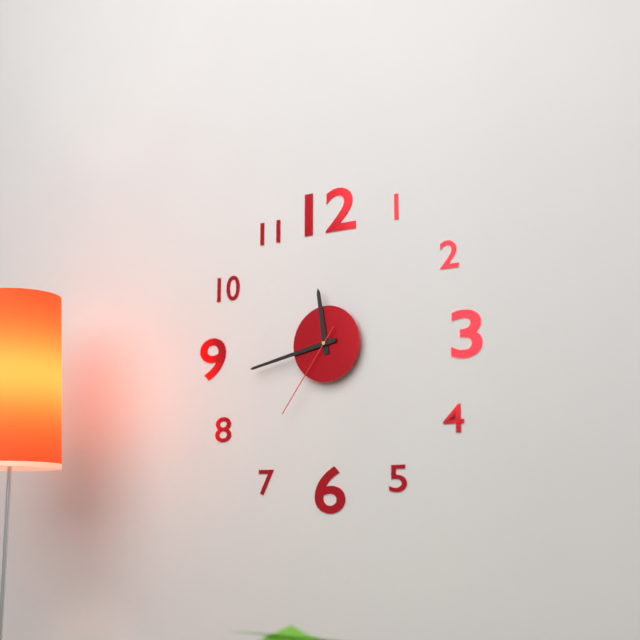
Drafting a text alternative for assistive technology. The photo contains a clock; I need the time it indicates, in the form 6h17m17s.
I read 11h43m36s
